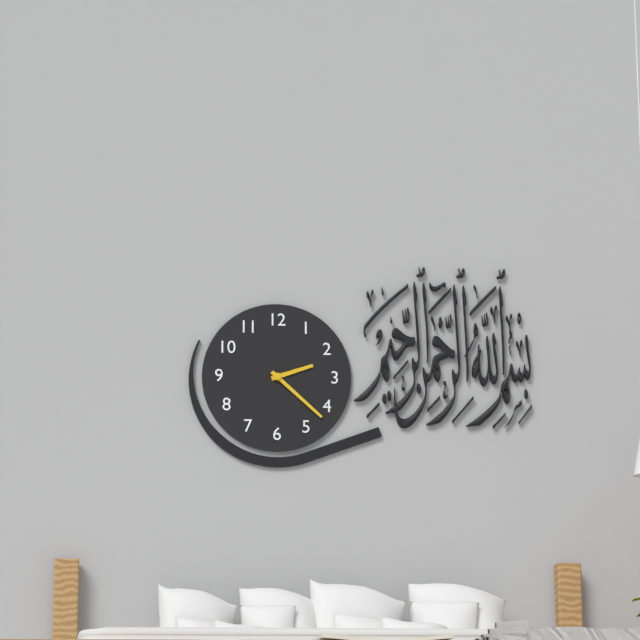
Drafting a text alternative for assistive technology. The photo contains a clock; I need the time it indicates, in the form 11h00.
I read 2h22
